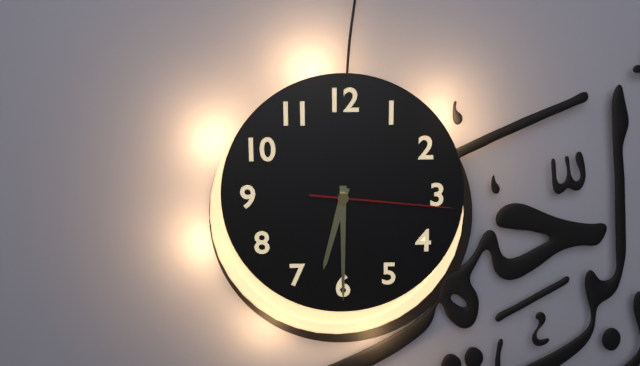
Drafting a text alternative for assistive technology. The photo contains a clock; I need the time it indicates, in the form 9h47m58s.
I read 6h30m16s
